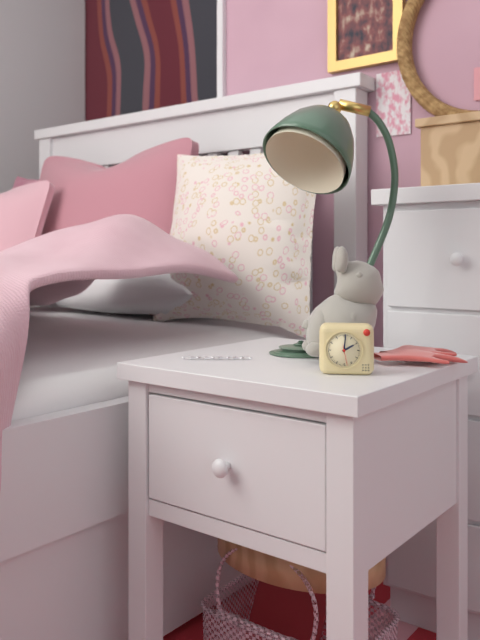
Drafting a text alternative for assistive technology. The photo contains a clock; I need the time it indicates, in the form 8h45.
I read 2h01
